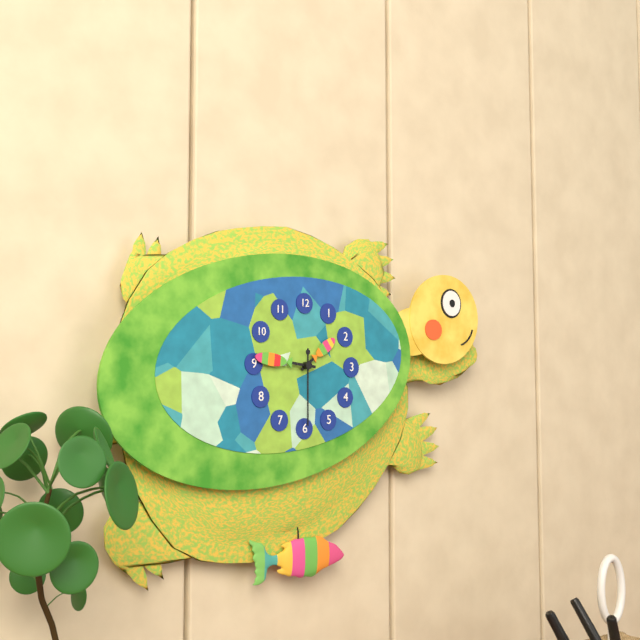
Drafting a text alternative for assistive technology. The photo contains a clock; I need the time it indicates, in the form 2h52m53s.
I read 1h46m30s
